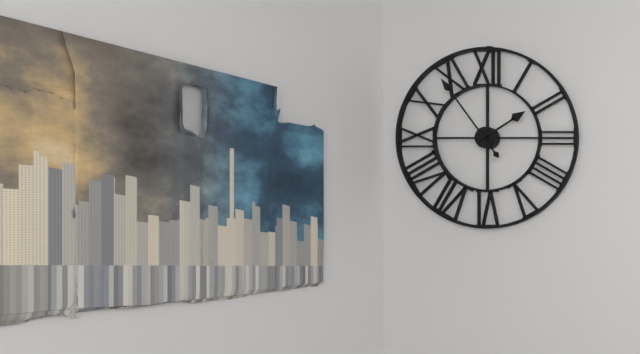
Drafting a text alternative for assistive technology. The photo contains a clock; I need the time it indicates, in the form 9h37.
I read 1h54
